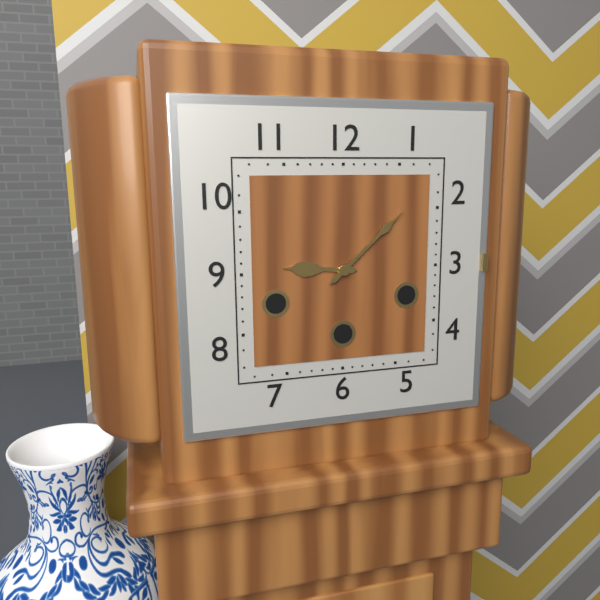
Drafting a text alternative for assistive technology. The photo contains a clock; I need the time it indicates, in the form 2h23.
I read 9h08
